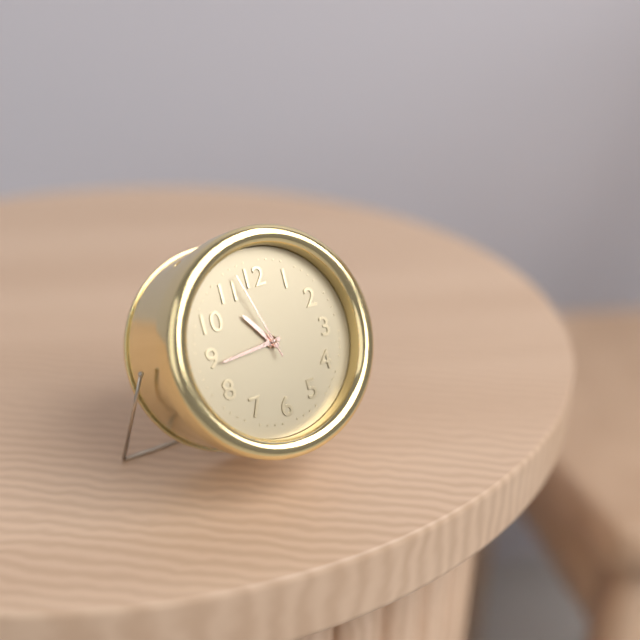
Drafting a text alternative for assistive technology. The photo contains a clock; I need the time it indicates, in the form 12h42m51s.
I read 10h44m57s
